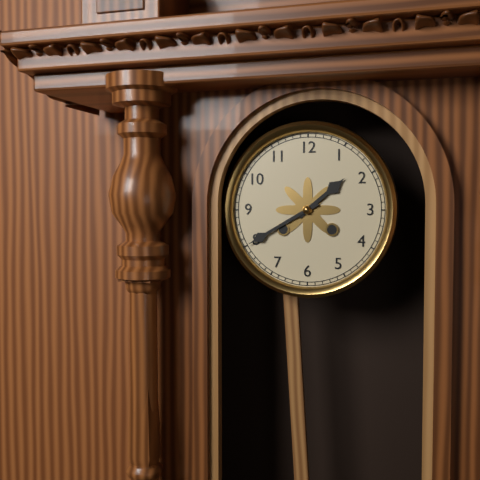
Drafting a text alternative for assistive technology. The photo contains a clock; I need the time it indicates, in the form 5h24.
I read 1h40
